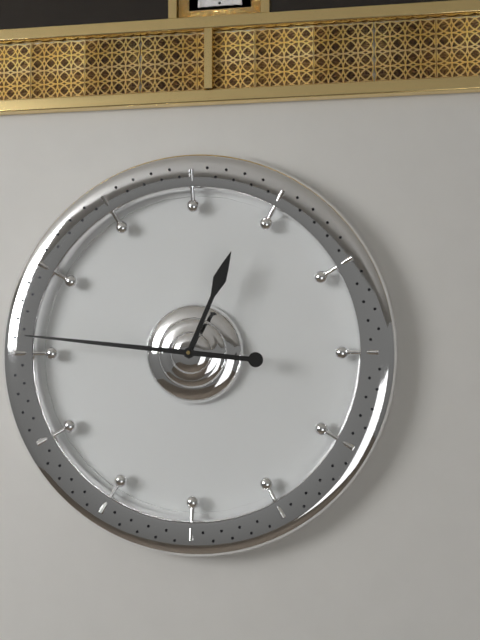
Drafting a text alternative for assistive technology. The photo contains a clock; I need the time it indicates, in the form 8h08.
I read 12h46
